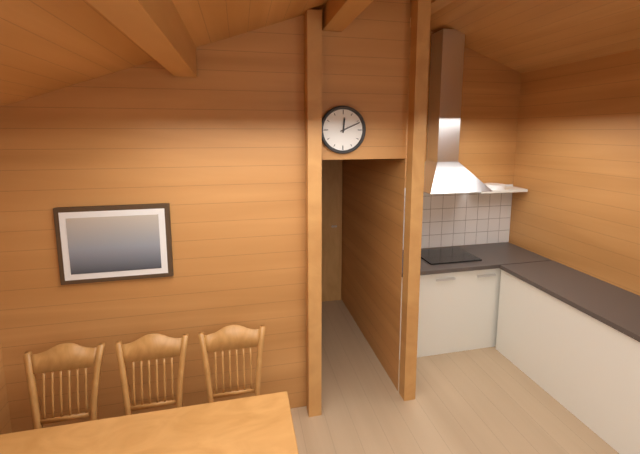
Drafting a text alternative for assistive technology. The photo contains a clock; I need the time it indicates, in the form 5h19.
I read 12h11
